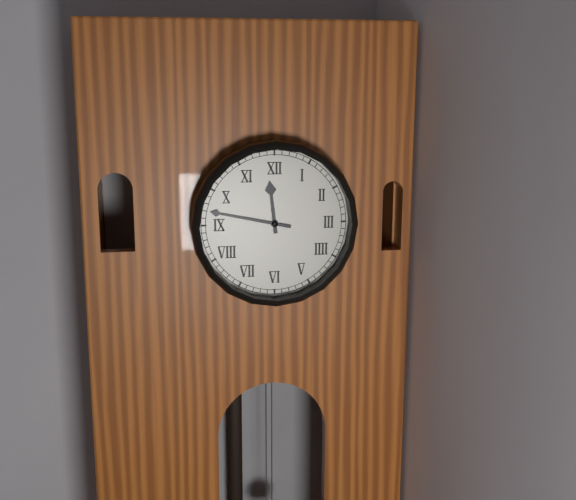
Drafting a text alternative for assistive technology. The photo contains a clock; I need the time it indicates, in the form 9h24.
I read 11h47
